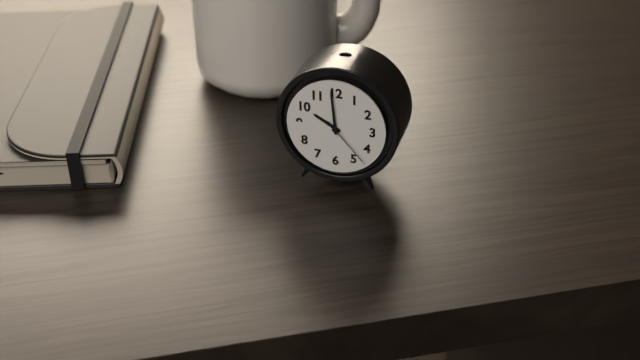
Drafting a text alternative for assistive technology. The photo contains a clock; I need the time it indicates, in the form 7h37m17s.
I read 9h59m23s
